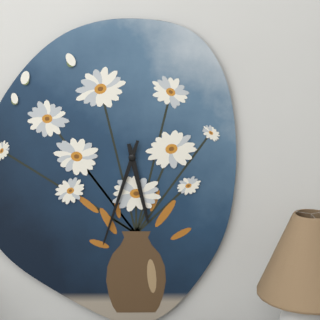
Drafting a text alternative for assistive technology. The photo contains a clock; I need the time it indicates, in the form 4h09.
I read 5h33
